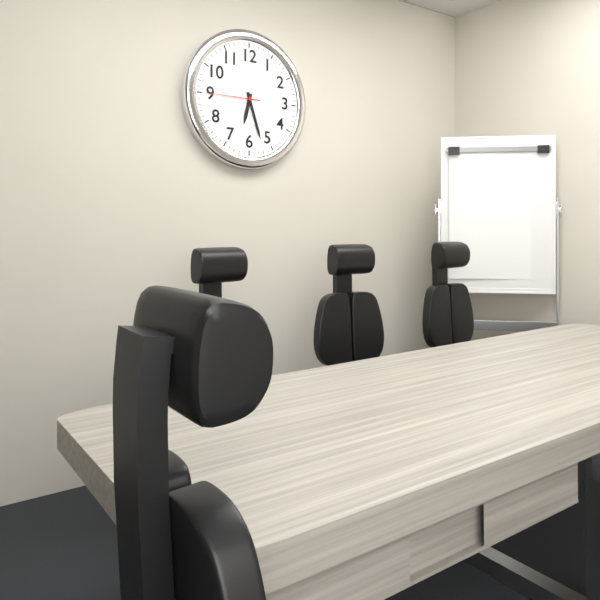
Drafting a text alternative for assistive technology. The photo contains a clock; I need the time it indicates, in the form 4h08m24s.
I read 6h27m45s
